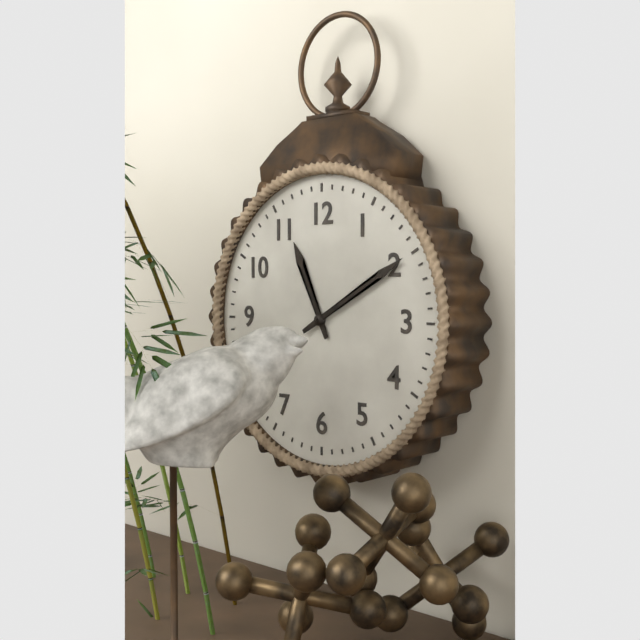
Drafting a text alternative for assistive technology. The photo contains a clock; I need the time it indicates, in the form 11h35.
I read 11h10
